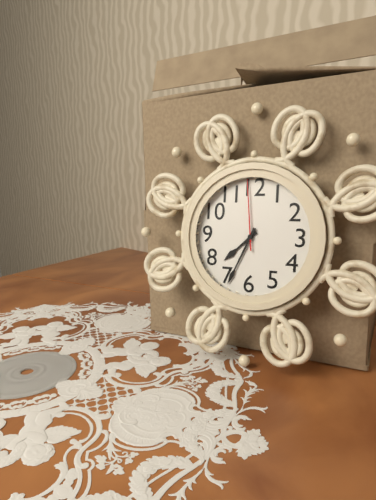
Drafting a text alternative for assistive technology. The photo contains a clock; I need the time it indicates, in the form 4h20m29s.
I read 7h34m59s
